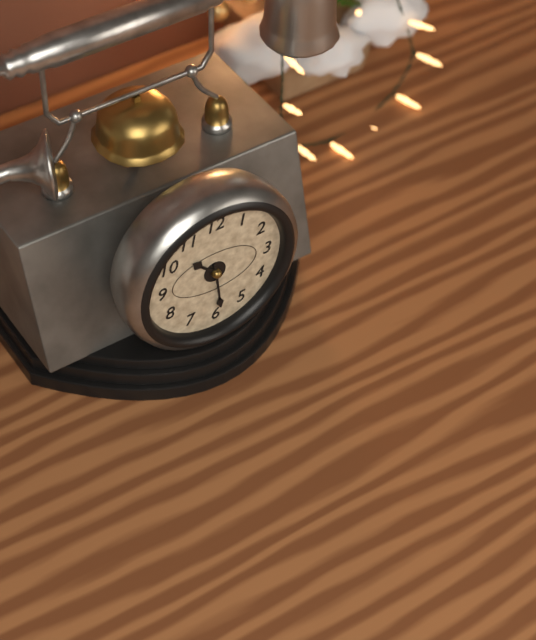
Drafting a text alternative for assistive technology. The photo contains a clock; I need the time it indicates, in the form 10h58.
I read 10h29
